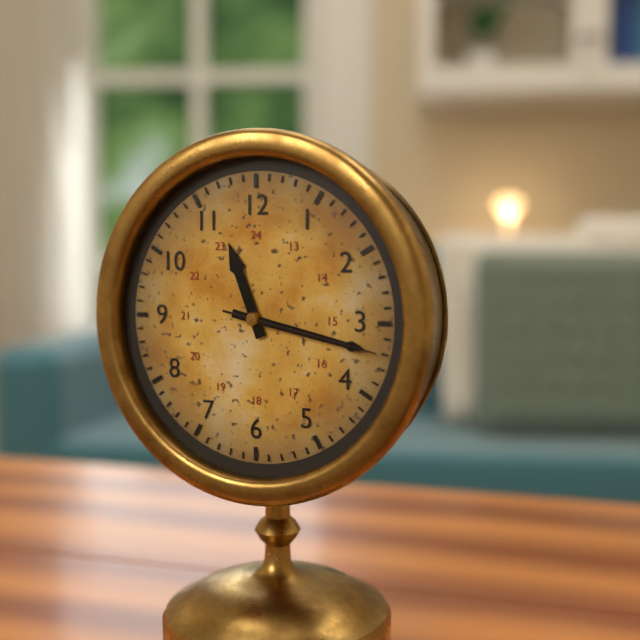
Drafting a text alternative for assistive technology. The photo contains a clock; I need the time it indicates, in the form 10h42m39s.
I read 11h17m17s
